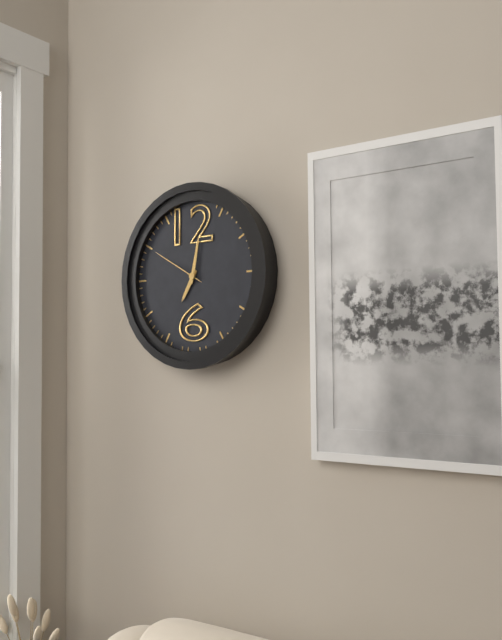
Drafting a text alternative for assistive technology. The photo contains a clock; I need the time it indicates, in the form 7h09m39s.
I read 7h02m50s
